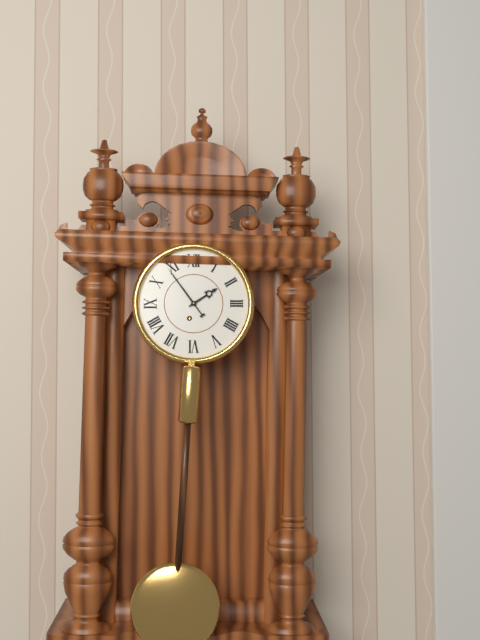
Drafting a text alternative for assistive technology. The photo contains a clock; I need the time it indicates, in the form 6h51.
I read 1h54
